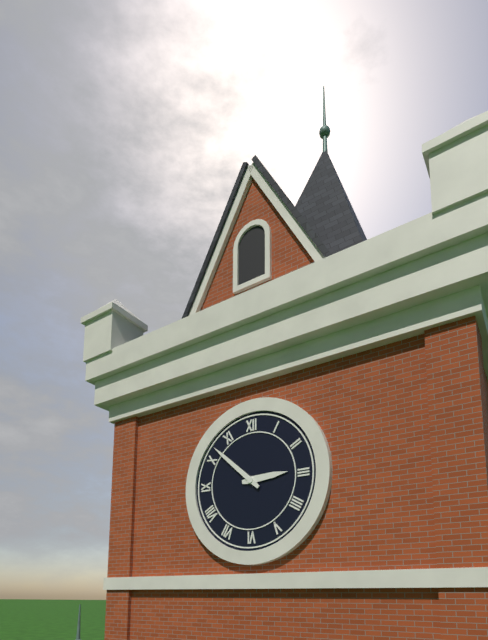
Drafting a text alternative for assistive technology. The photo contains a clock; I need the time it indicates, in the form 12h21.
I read 2h52
